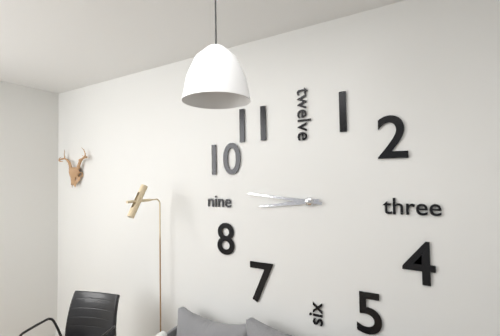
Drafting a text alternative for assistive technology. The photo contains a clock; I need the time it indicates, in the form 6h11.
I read 8h46
